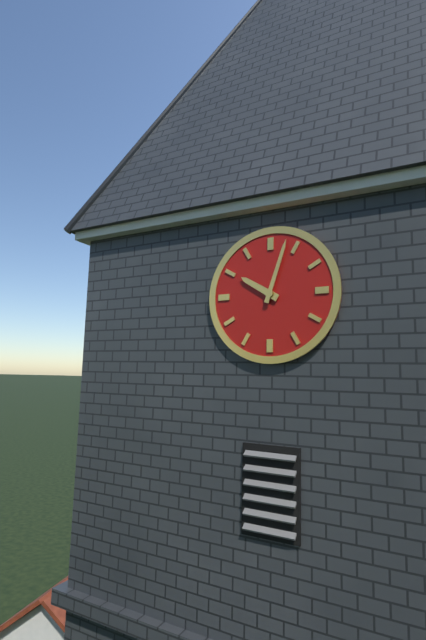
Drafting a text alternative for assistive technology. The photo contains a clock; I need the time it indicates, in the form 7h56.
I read 10h03
